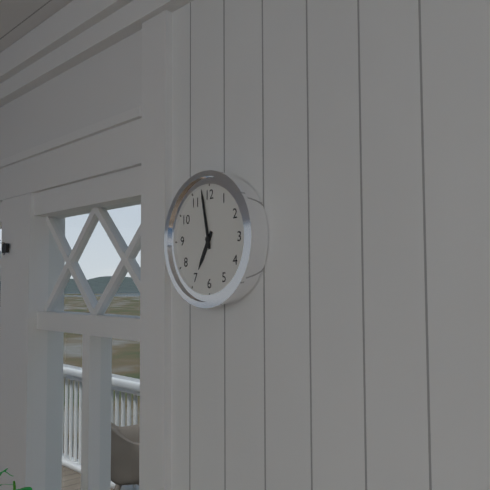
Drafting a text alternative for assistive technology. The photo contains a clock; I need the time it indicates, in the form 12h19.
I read 6h58
